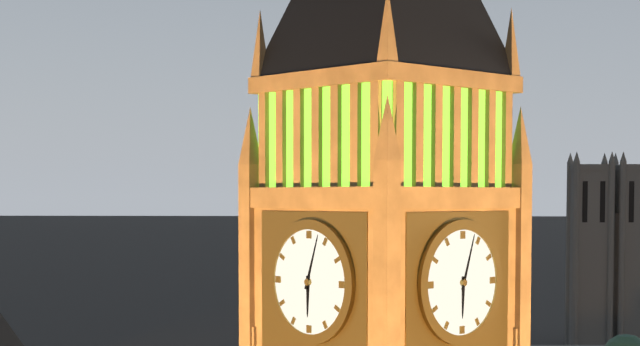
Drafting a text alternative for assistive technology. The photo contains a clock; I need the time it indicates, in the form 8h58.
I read 6h03
